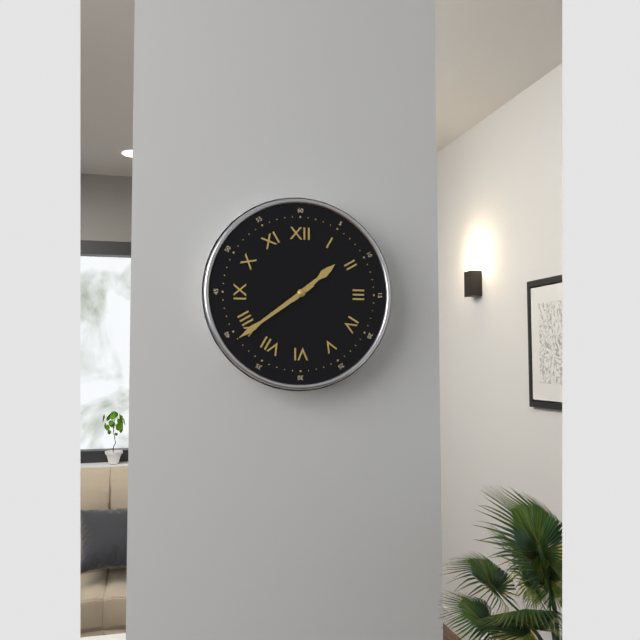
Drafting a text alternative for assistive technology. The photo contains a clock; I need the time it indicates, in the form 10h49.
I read 1h39
